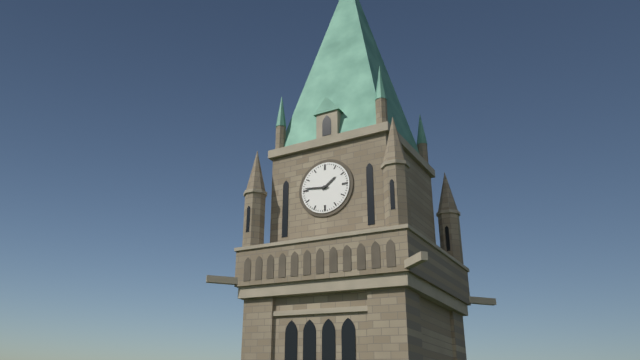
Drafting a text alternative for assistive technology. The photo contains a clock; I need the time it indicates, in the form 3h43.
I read 1h46
